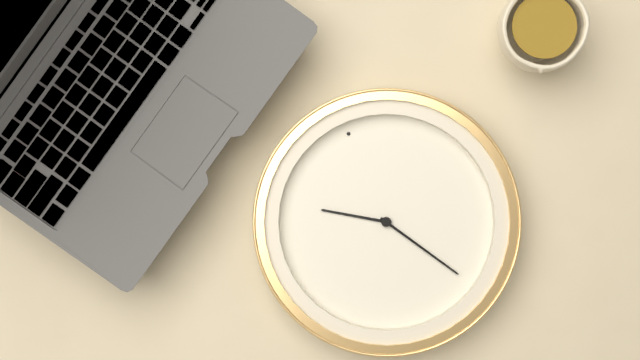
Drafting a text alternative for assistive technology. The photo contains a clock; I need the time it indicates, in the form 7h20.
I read 9h21
